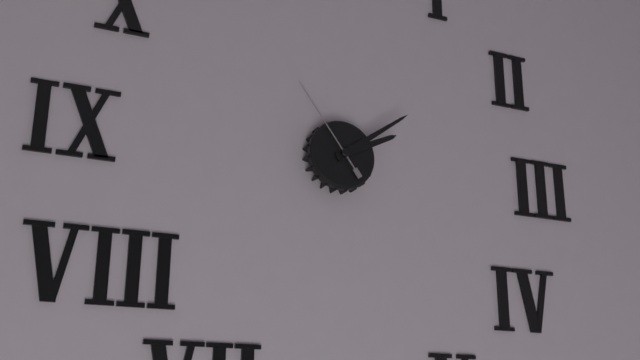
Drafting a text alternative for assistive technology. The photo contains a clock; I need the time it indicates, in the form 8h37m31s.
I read 2h09m54s
